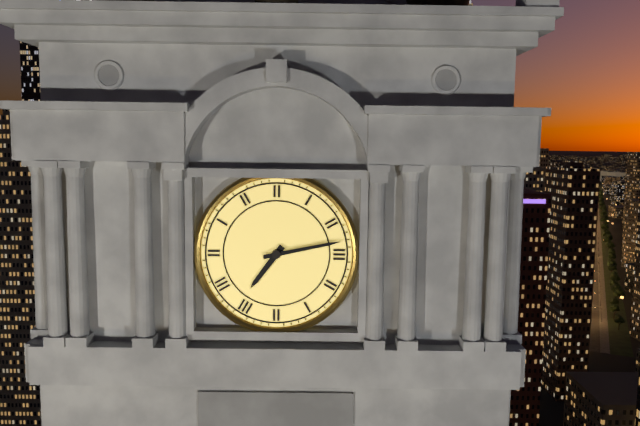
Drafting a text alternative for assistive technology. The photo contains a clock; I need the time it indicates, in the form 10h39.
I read 7h13
